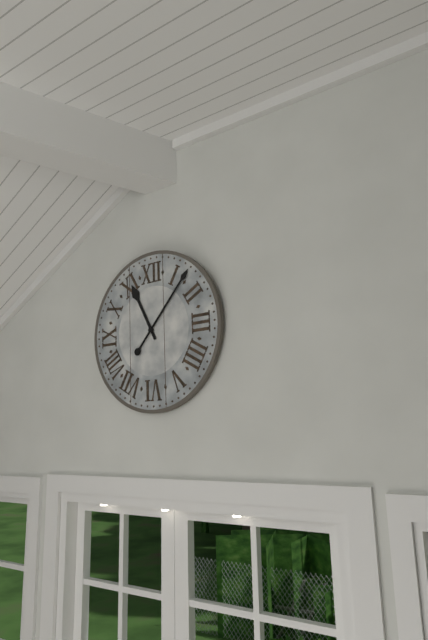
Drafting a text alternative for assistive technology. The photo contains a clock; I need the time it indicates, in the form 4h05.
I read 11h07
